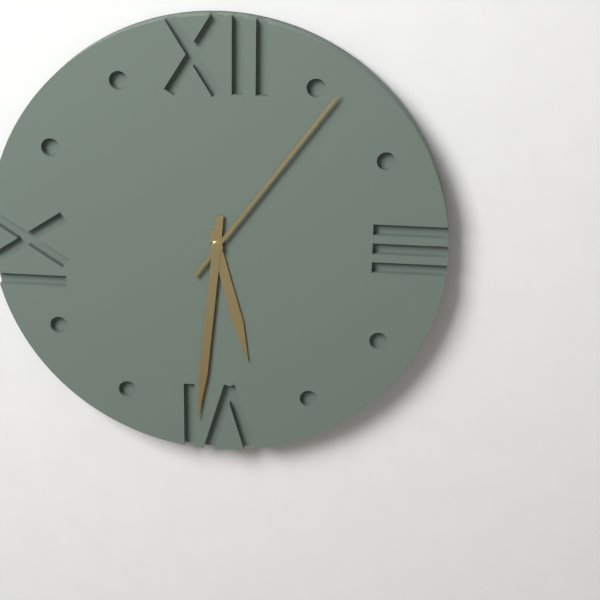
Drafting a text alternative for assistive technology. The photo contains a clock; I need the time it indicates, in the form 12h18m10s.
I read 5h31m06s
